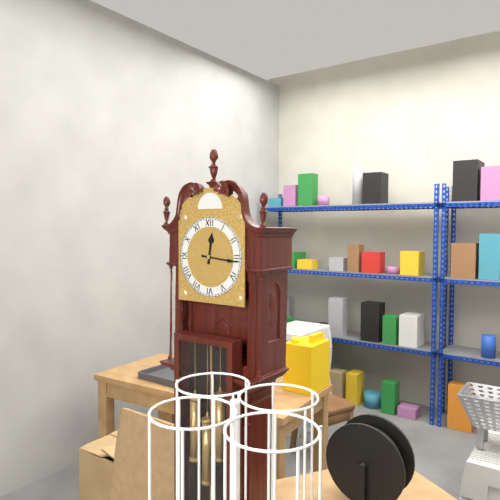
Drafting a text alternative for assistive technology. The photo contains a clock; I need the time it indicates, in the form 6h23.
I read 12h16
